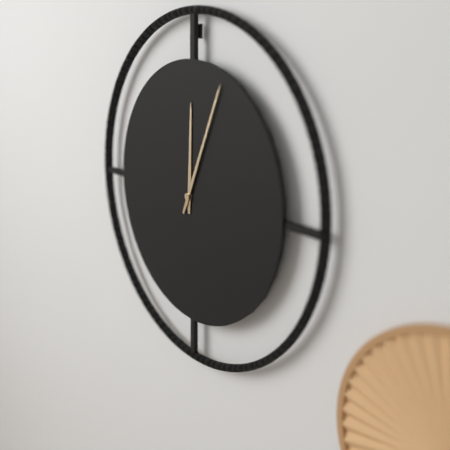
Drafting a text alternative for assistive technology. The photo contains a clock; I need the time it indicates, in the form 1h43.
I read 12h04
